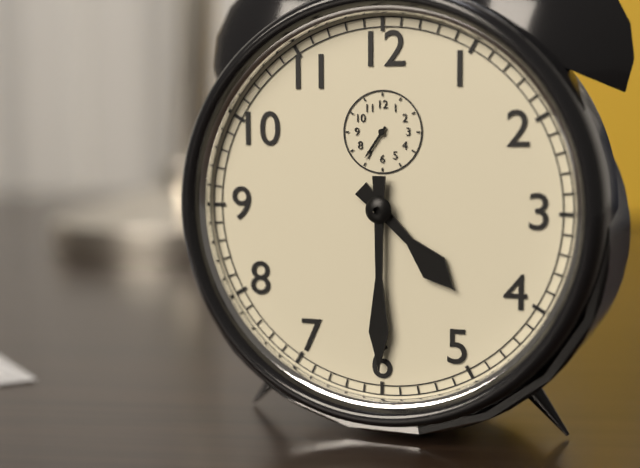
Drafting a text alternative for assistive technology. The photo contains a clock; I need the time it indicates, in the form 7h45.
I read 4h30
